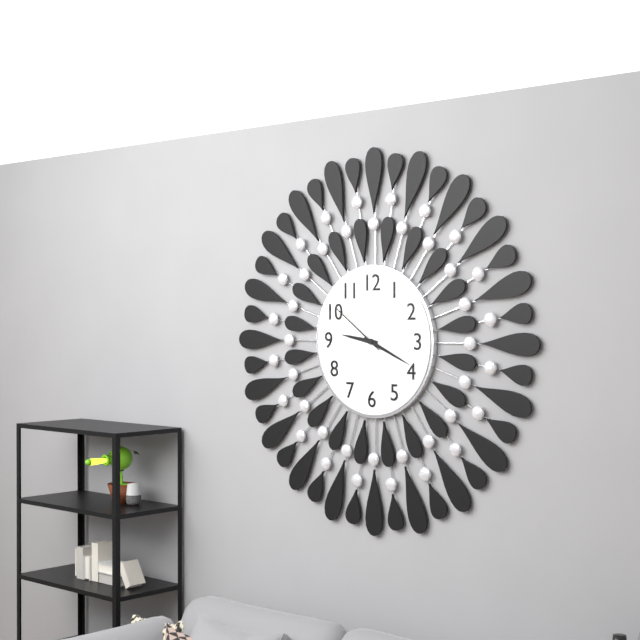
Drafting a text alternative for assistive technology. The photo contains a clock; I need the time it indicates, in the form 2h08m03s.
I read 9h19m51s
